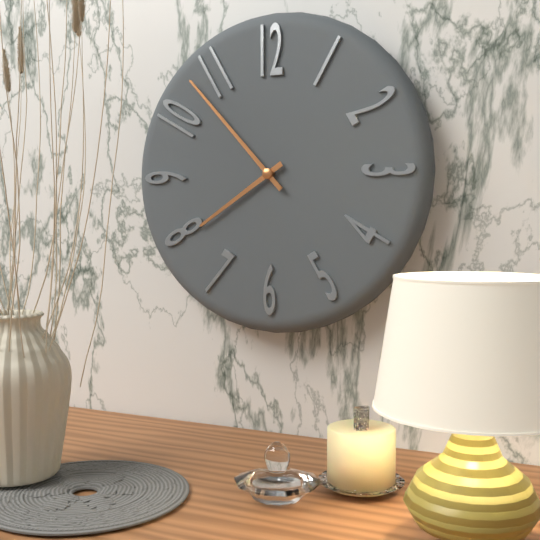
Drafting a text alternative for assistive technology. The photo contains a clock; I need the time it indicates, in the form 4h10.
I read 7h53
